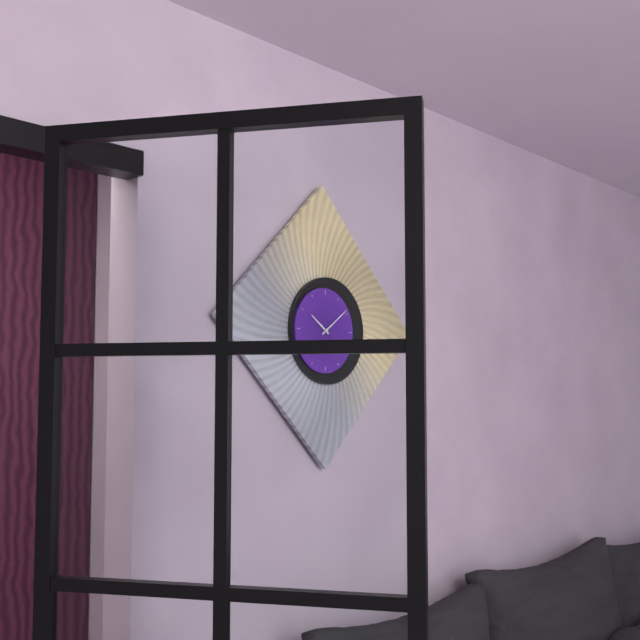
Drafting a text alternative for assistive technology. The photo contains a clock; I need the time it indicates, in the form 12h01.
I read 10h09
